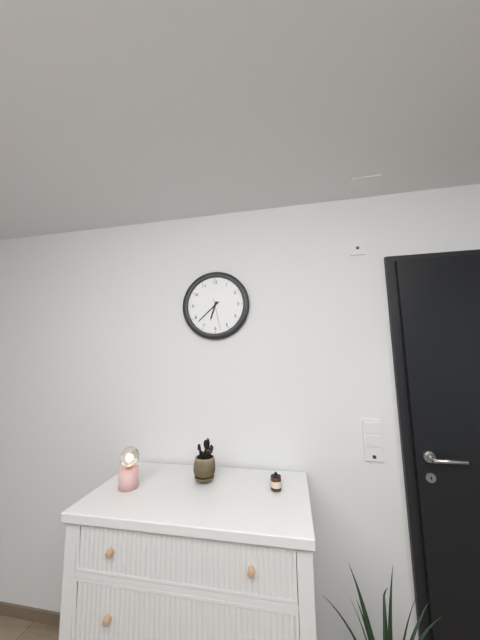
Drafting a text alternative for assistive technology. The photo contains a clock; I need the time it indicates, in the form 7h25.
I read 6h38
